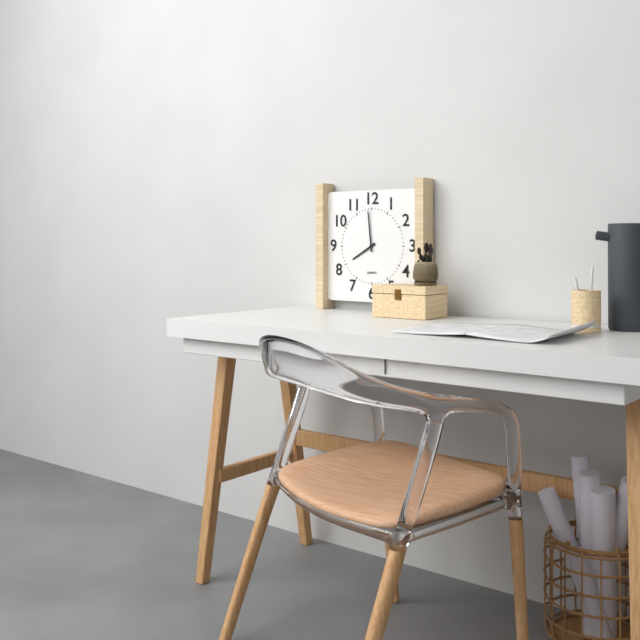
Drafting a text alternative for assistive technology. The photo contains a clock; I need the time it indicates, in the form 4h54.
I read 7h59
